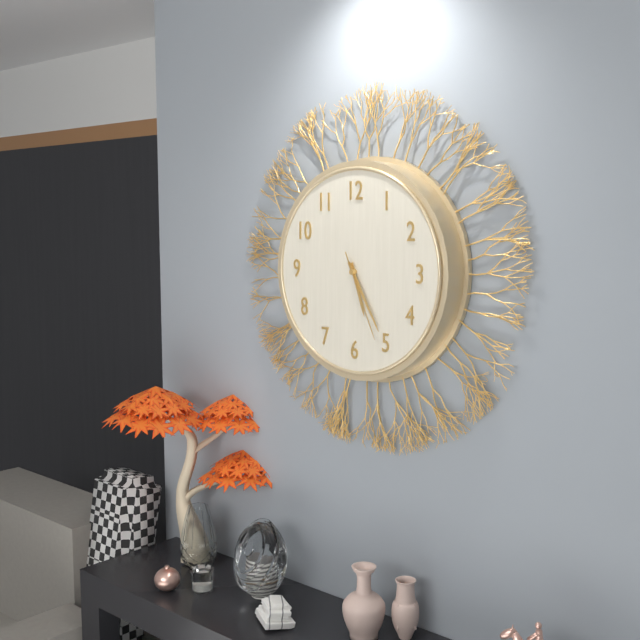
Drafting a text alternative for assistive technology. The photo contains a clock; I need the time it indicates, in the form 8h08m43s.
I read 5h25m26s
